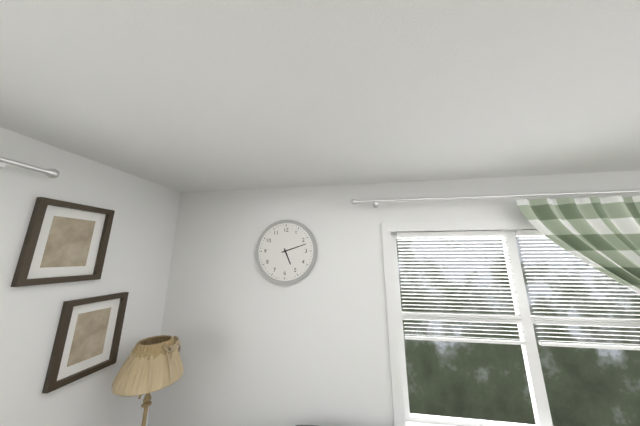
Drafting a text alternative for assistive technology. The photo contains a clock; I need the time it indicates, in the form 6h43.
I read 5h12
